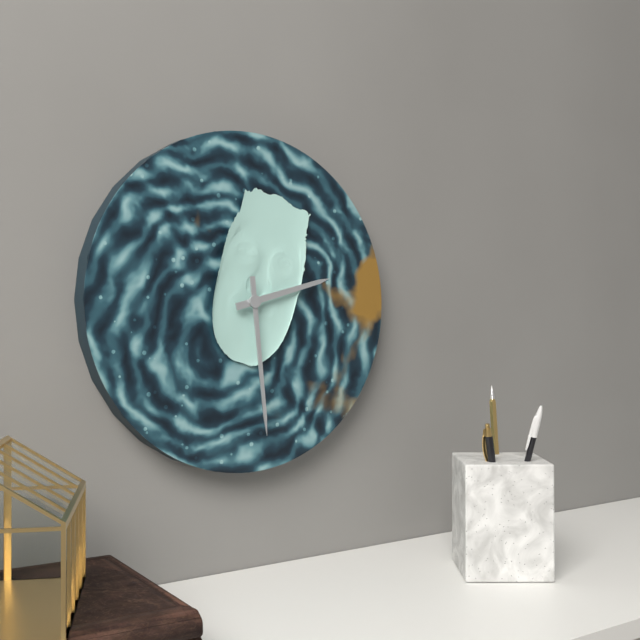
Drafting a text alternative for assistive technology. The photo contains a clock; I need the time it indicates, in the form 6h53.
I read 2h29
